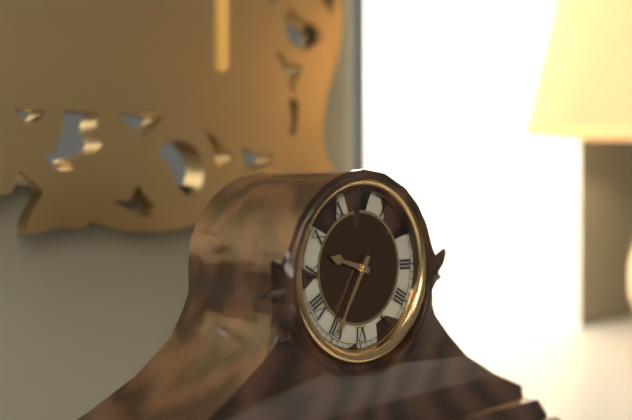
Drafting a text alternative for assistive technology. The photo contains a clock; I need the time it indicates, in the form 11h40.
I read 9h35
